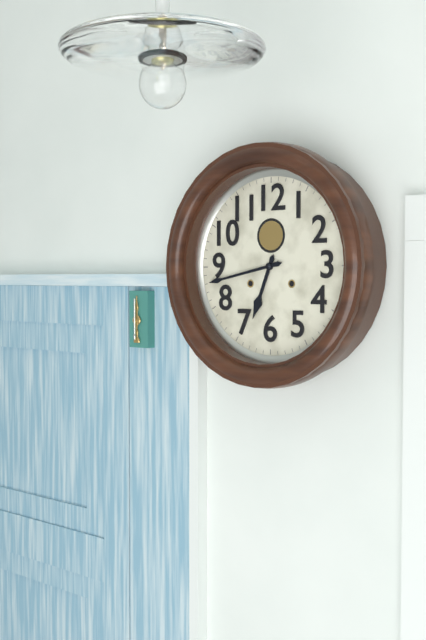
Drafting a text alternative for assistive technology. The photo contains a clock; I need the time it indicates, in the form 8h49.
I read 6h43
